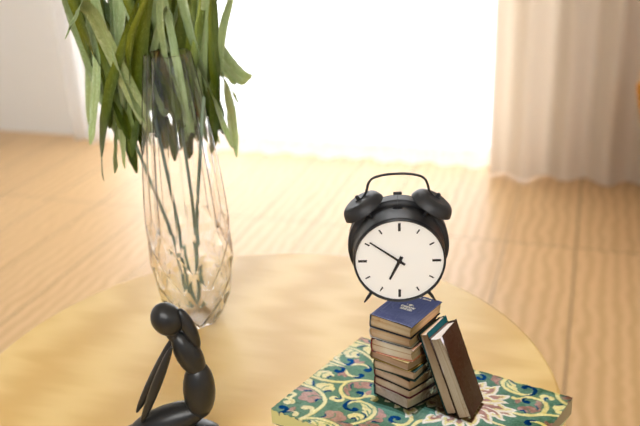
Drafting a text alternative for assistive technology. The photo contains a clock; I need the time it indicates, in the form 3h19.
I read 6h51
